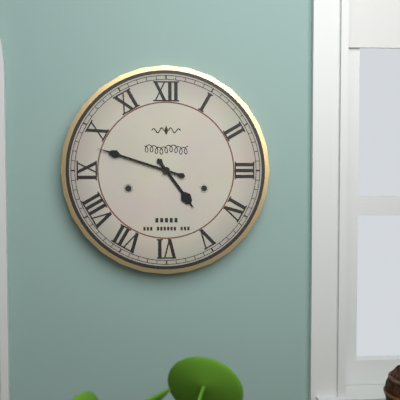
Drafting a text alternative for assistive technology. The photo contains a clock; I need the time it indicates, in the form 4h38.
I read 4h48
